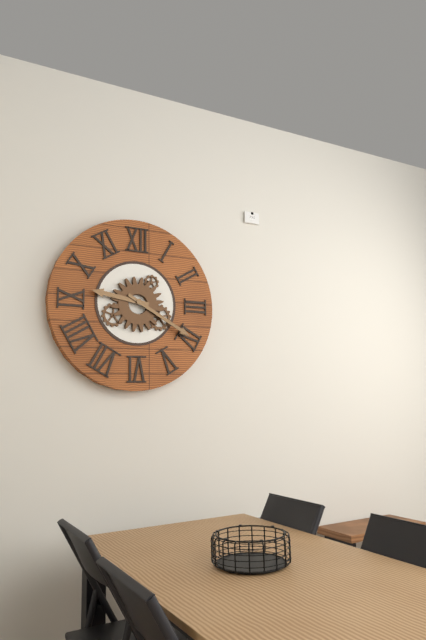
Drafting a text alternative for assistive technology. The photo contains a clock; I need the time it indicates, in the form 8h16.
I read 9h20
